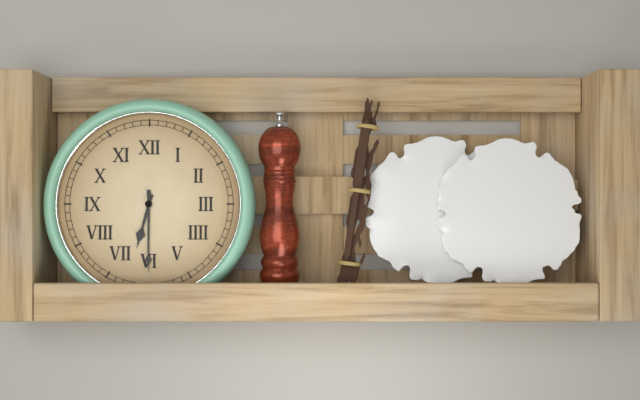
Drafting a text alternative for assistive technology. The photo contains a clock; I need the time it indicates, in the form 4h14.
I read 6h30
